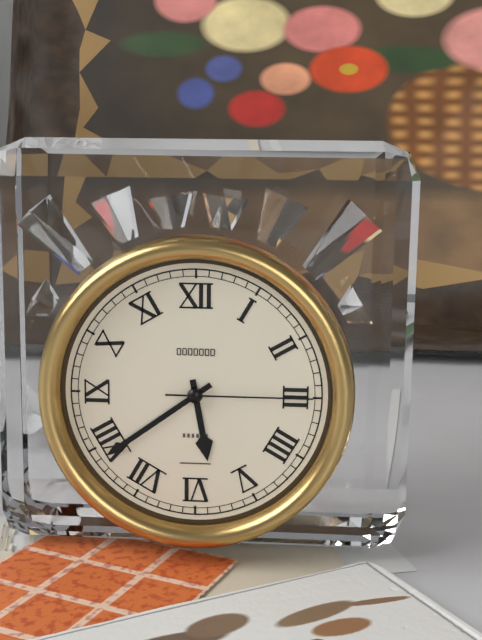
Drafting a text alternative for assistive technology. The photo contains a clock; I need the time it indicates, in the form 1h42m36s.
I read 5h39m15s
